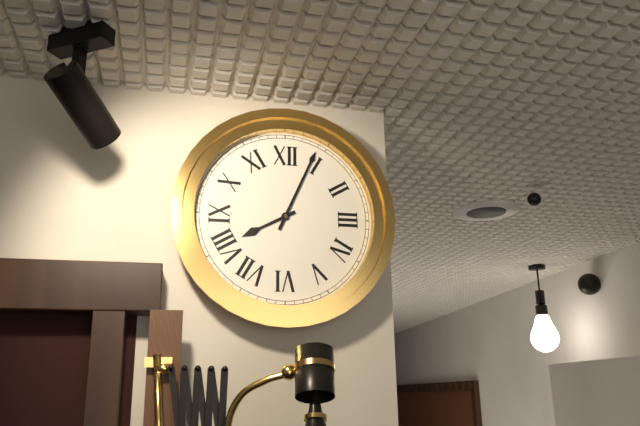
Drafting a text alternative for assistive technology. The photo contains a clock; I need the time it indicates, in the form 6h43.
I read 8h04
